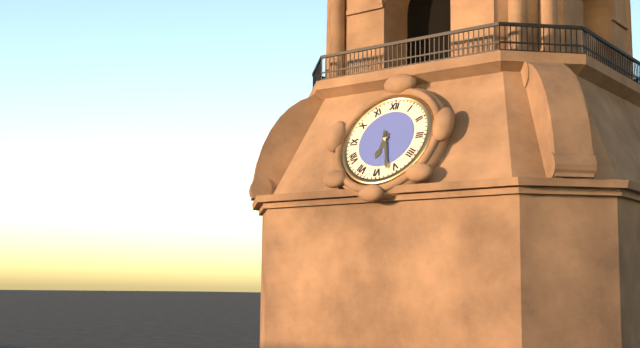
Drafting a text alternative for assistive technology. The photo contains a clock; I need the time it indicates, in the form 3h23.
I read 6h27
